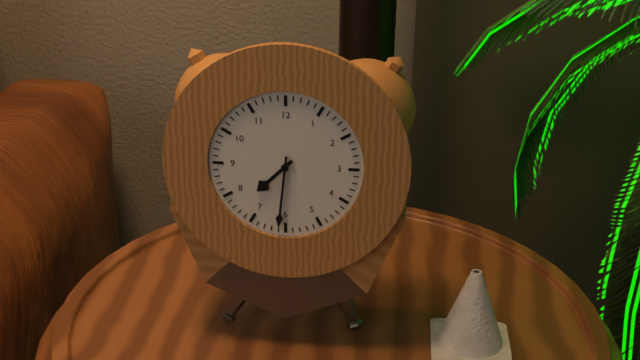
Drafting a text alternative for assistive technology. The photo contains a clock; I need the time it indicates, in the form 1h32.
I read 7h31
